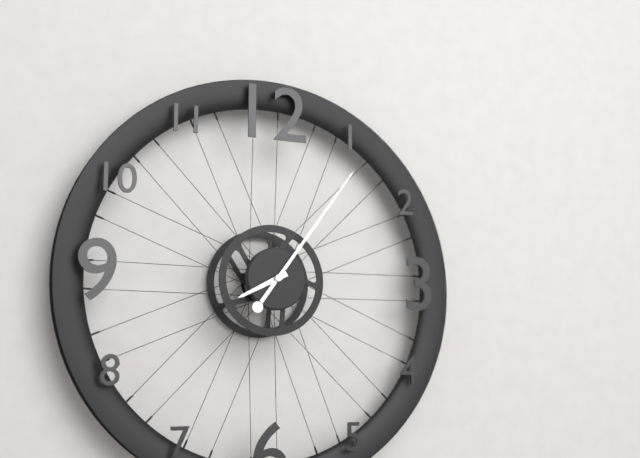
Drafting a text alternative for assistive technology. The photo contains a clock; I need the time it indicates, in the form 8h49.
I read 8h06
